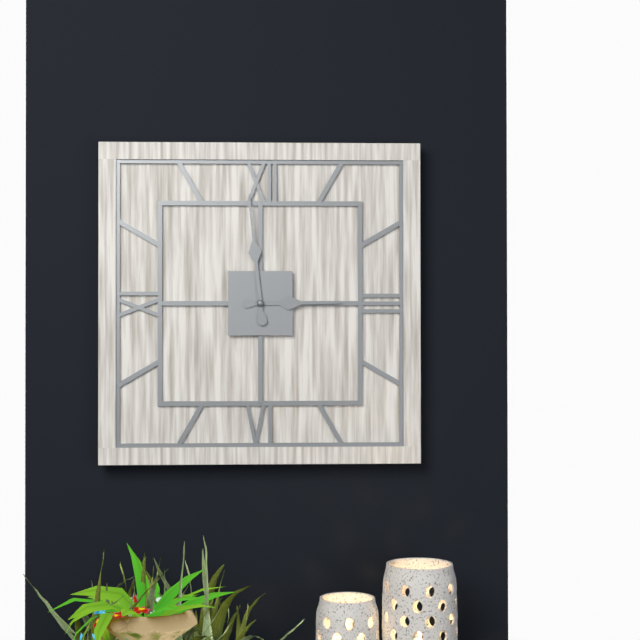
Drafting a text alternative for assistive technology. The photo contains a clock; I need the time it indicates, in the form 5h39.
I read 2h59
